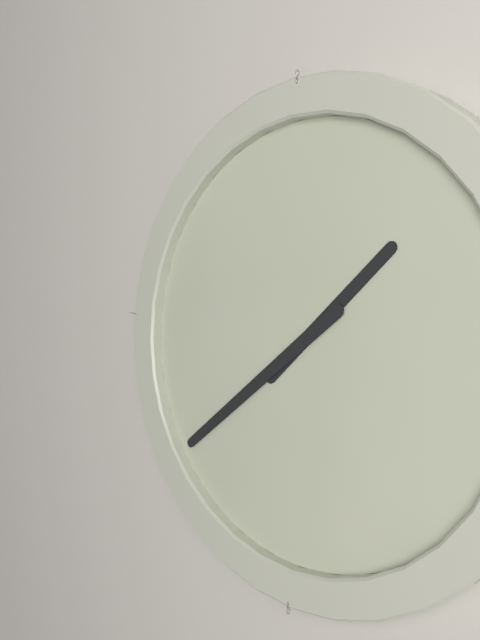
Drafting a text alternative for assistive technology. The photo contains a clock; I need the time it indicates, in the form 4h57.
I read 1h39
